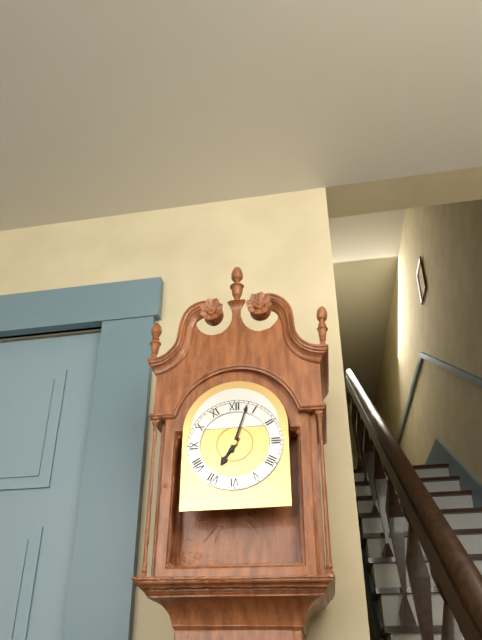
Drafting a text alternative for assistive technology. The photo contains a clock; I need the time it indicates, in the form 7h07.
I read 7h03
